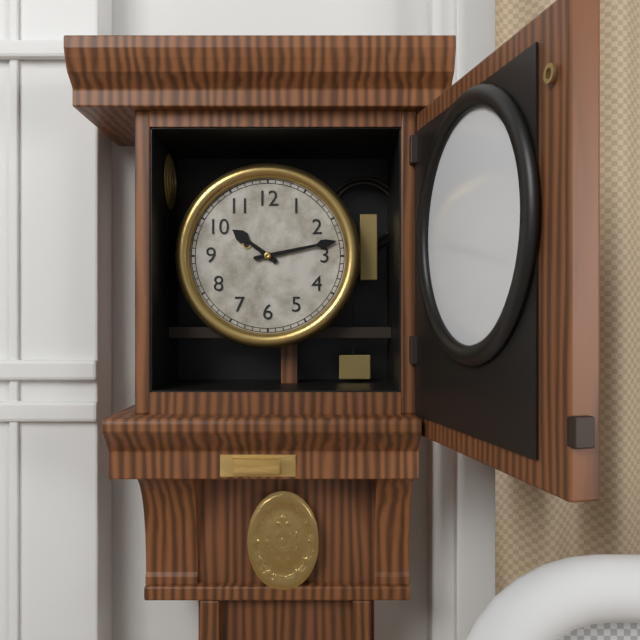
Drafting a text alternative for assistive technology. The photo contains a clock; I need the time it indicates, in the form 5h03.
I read 10h13
